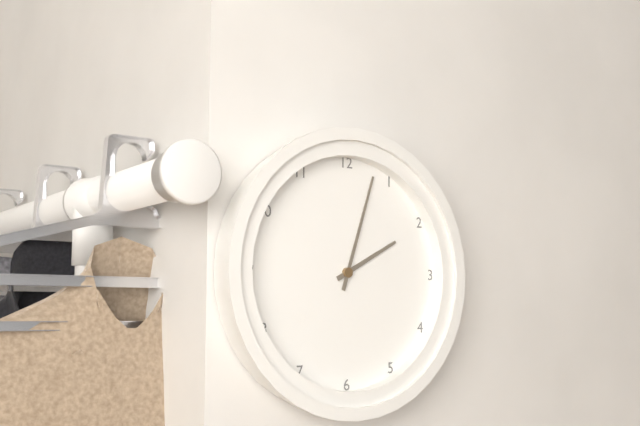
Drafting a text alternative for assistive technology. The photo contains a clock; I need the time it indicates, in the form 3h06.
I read 2h03
